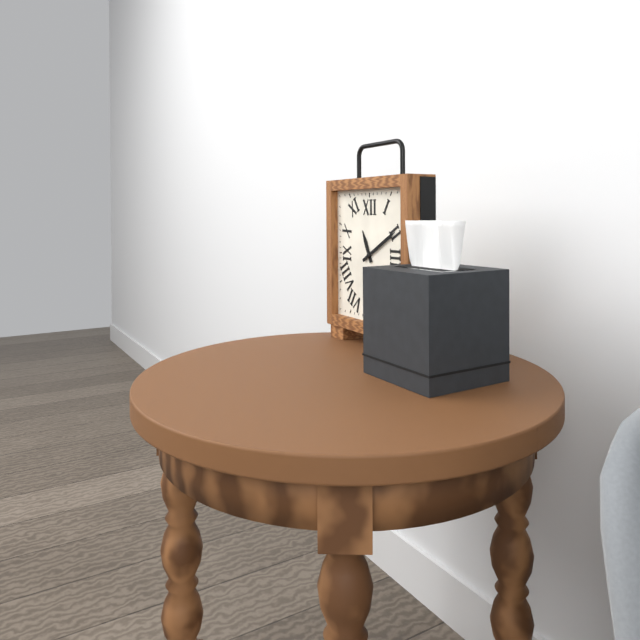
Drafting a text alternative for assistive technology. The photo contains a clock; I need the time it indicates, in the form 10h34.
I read 11h10
